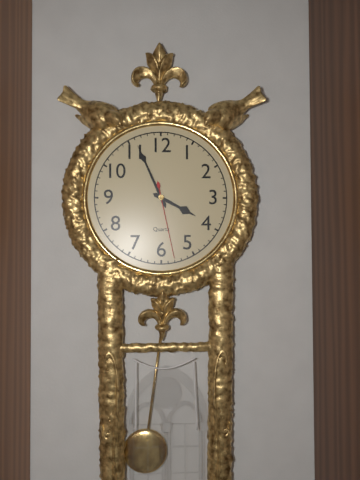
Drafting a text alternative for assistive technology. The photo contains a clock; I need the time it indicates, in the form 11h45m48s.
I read 3h56m28s
